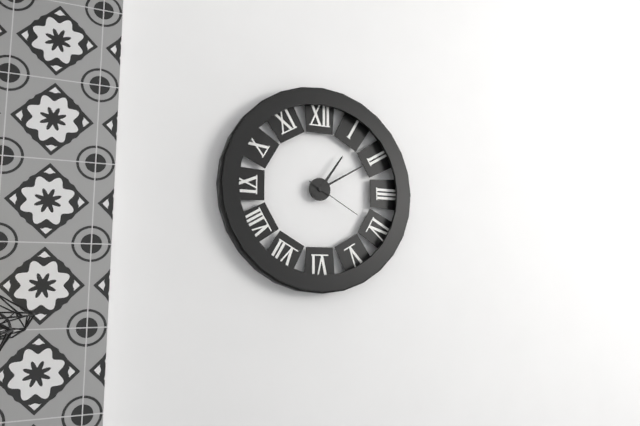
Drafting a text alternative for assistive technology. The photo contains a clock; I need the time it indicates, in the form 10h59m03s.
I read 1h10m20s
